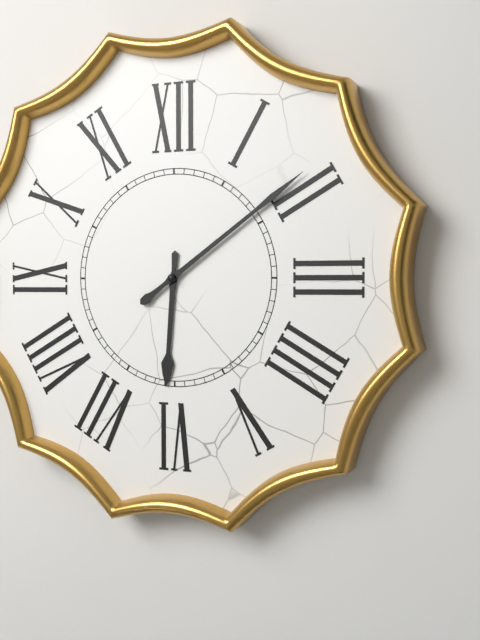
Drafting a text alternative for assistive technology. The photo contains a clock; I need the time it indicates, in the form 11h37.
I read 6h09
